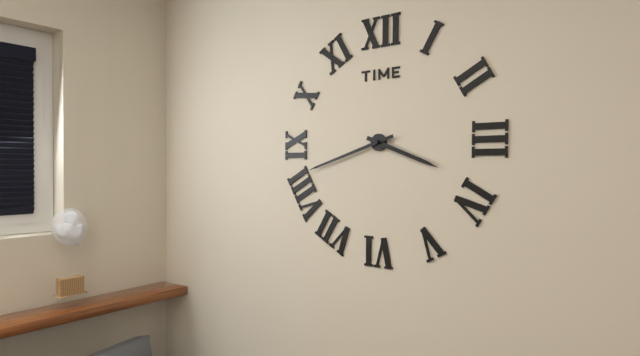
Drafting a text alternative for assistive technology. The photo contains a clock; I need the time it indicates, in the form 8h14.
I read 3h42
